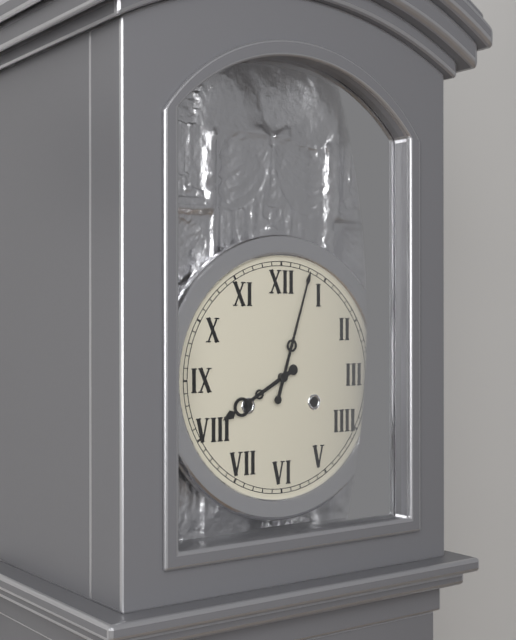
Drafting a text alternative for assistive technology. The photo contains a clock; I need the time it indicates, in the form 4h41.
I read 8h03
